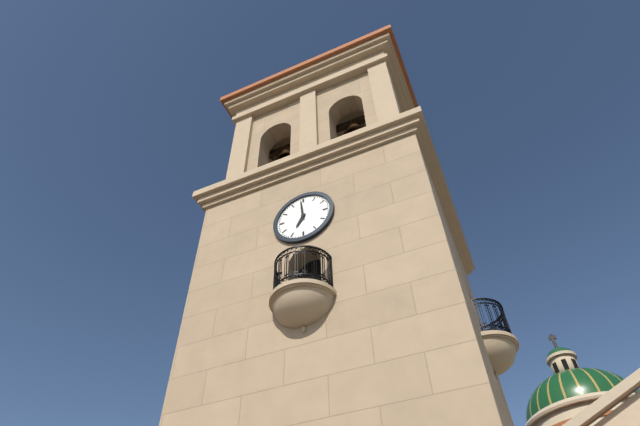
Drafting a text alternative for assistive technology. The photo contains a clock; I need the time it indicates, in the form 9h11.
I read 6h59
